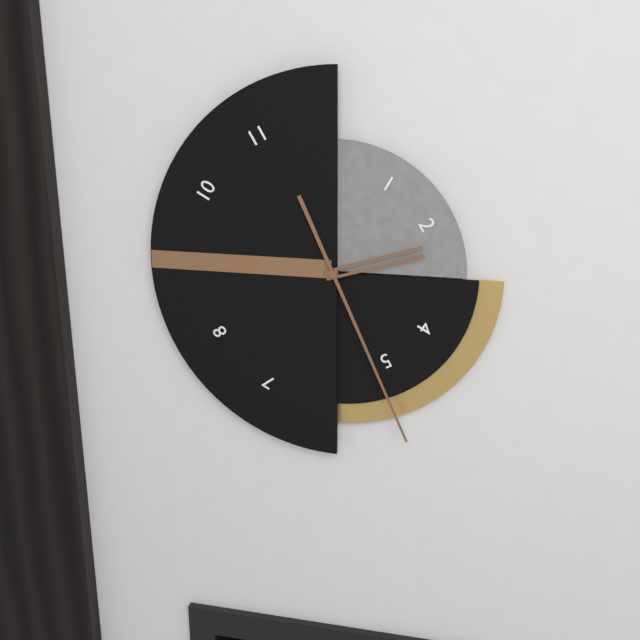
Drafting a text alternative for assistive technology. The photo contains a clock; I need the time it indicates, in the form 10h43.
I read 2h26
